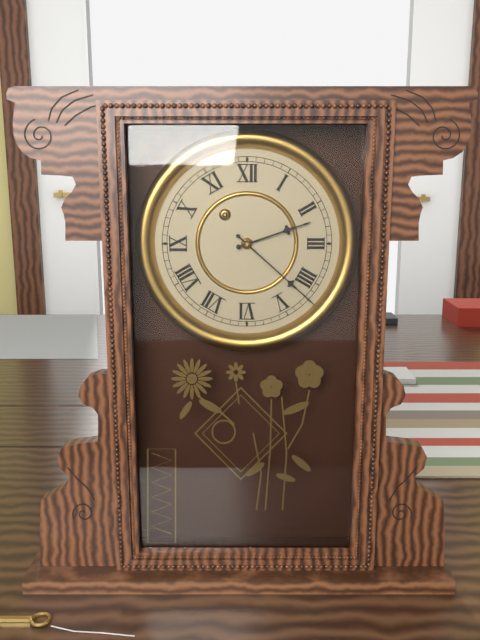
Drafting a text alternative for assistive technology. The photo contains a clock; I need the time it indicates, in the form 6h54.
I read 2h22
